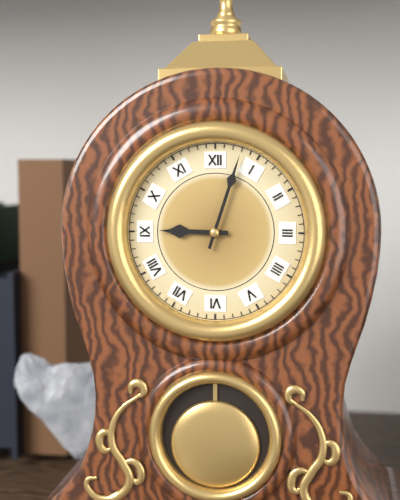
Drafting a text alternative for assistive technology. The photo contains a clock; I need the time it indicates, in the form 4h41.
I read 9h03
